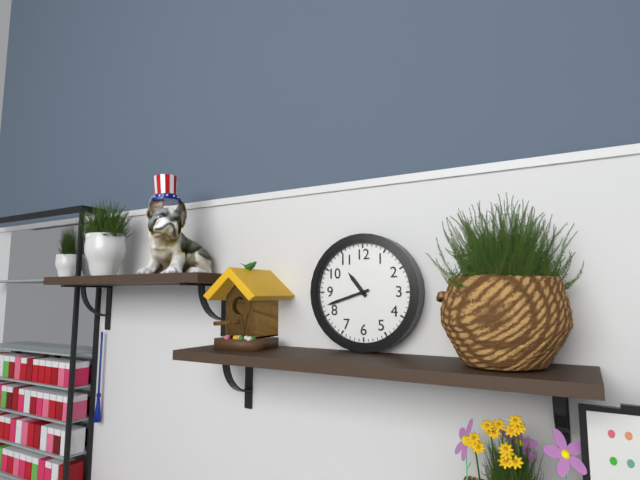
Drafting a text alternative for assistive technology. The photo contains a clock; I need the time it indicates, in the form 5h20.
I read 10h42
